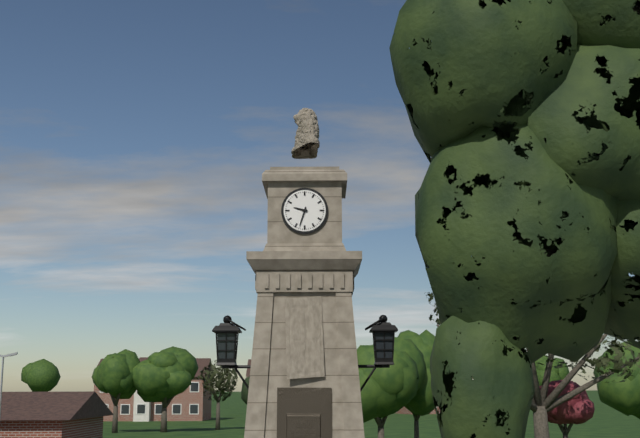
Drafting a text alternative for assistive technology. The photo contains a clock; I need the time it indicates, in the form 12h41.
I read 9h33
